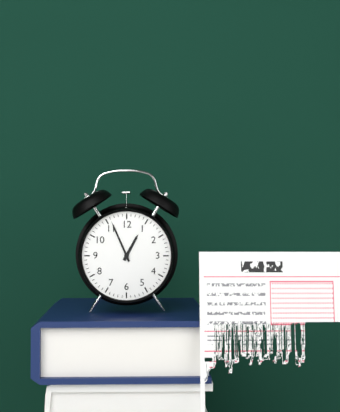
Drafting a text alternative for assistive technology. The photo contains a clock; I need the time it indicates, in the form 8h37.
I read 12h56
